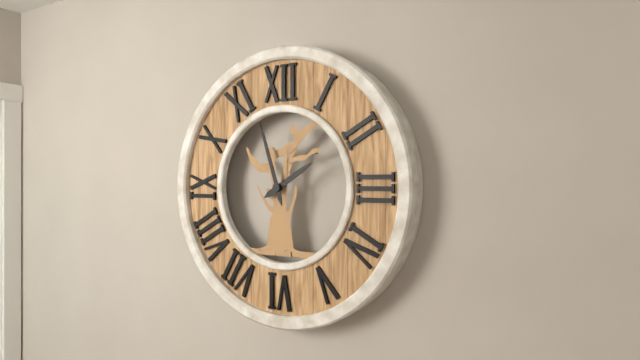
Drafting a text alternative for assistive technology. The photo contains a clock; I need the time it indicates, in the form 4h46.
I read 1h57
